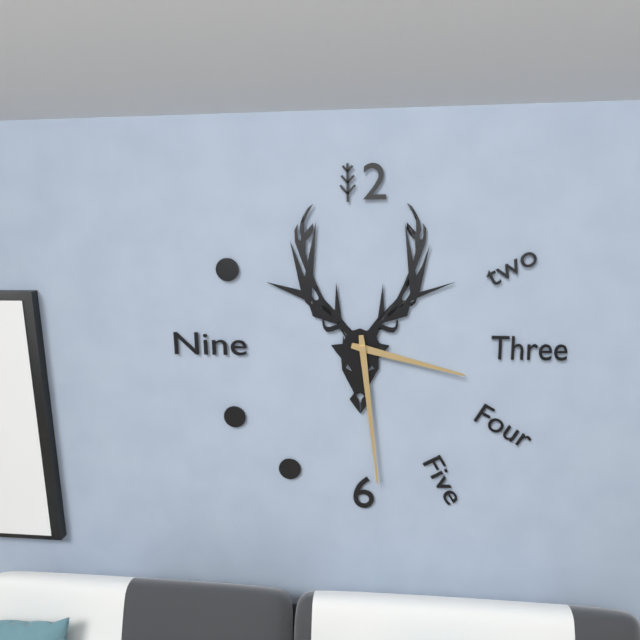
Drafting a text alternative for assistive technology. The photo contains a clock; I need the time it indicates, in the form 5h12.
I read 3h29
